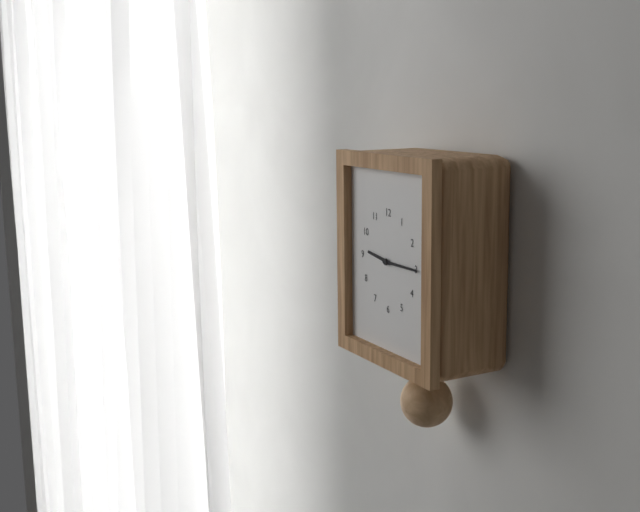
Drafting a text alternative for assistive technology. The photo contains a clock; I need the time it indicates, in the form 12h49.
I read 9h15
